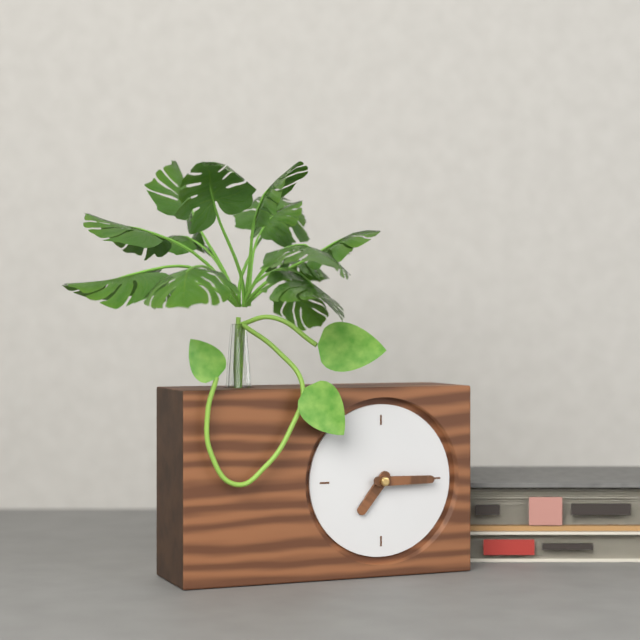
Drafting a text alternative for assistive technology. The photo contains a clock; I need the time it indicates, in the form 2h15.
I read 7h15
